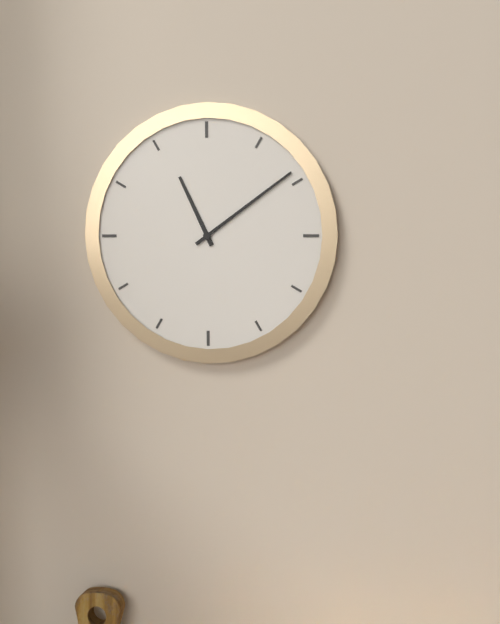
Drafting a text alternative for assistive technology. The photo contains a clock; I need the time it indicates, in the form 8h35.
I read 11h09
